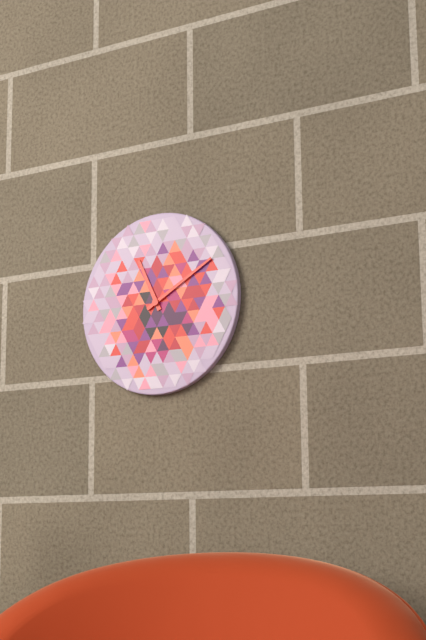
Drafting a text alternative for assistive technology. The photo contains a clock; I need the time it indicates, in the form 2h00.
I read 11h10
